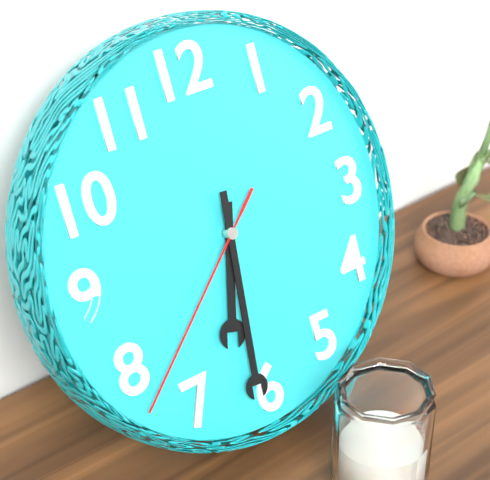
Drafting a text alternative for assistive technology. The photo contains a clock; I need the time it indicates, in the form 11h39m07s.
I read 6h31m38s
